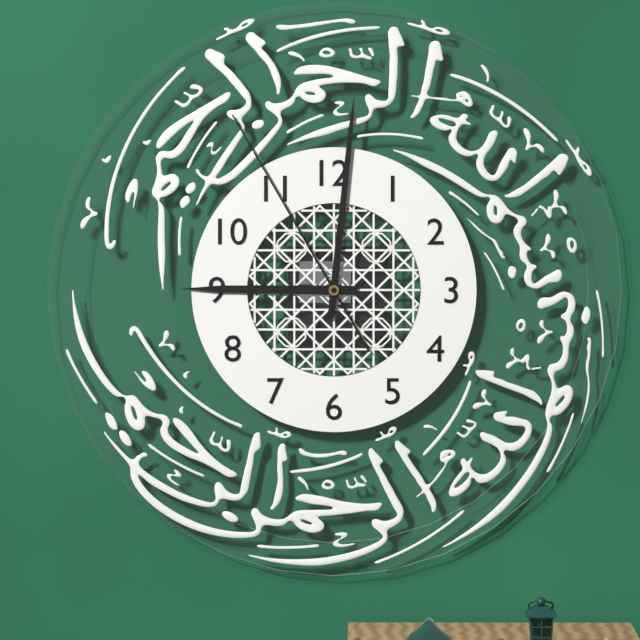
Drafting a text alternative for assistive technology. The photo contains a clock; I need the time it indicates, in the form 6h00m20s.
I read 9h01m55s
